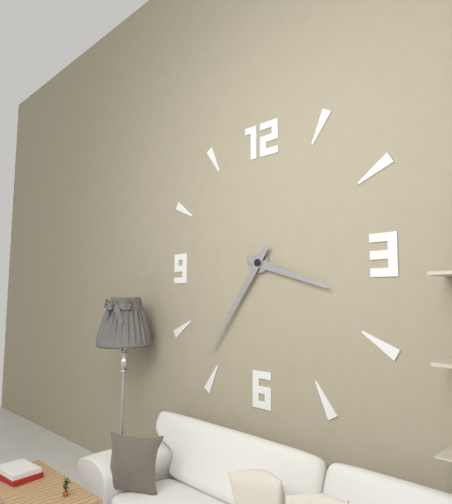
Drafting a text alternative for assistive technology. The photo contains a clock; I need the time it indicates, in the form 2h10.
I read 3h36
